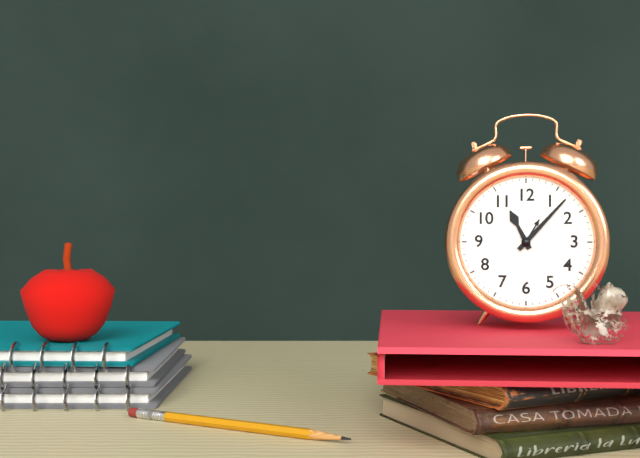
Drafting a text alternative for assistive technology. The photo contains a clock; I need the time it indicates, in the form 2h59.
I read 11h07
